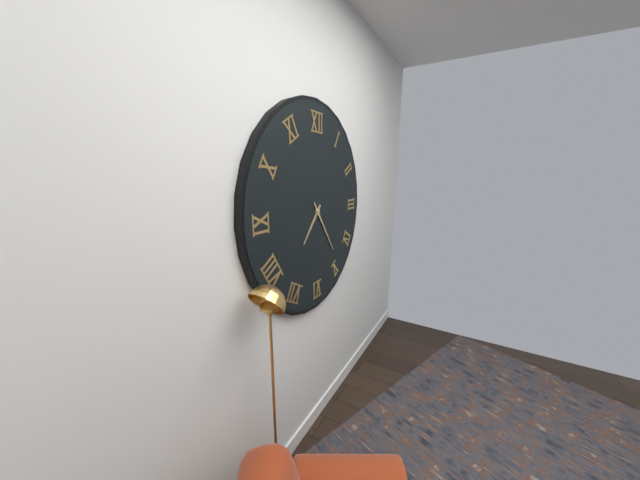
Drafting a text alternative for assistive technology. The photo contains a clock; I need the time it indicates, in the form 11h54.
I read 7h24
